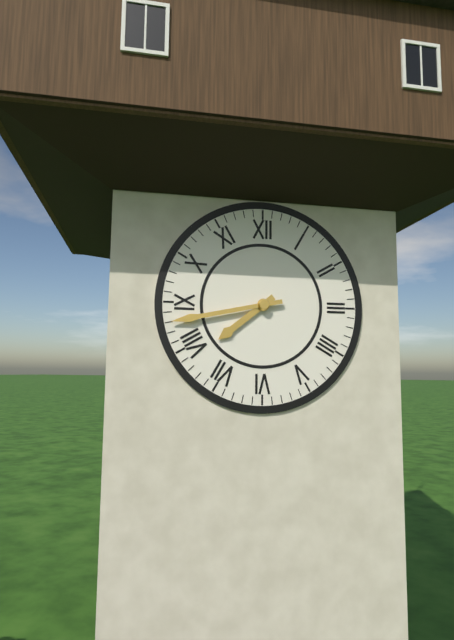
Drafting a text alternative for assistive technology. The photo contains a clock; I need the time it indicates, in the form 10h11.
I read 7h43
